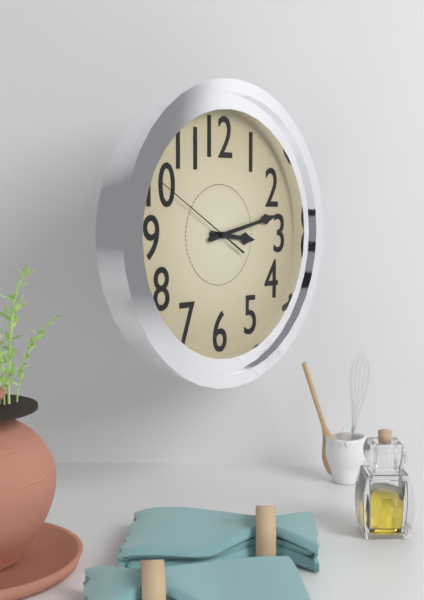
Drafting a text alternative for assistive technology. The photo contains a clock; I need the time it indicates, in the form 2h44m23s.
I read 3h13m50s
